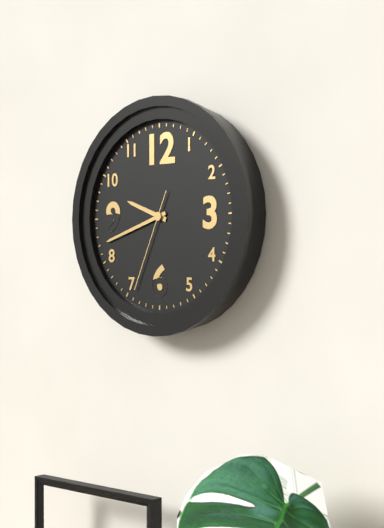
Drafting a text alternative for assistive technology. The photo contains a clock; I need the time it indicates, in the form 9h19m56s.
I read 9h42m34s
